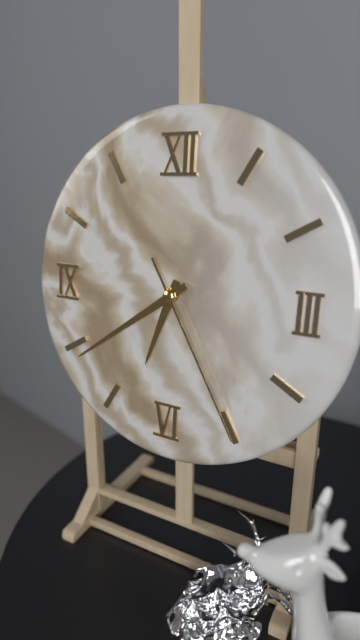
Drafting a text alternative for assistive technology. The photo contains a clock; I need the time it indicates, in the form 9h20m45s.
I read 6h39m25s
